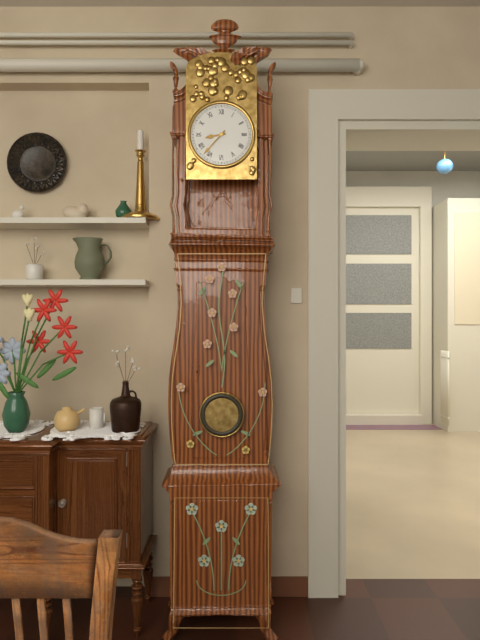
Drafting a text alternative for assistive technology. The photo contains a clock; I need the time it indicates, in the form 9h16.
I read 8h37
